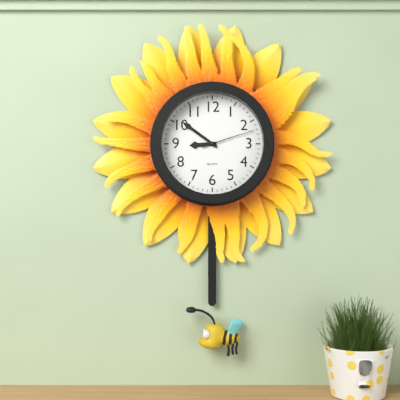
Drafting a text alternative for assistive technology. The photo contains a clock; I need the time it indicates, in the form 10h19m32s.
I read 8h51m12s
